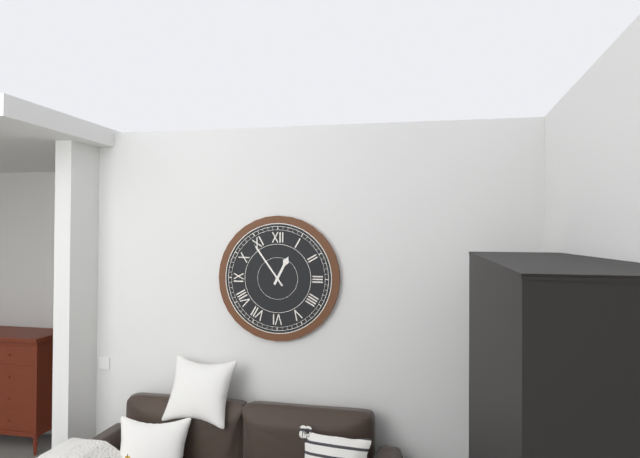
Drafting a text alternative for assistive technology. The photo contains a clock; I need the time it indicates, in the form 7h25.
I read 12h54
